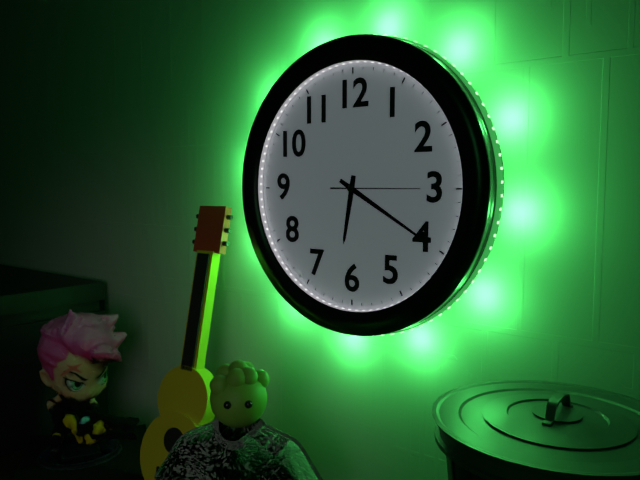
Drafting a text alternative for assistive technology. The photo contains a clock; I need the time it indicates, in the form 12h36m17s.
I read 6h20m15s
